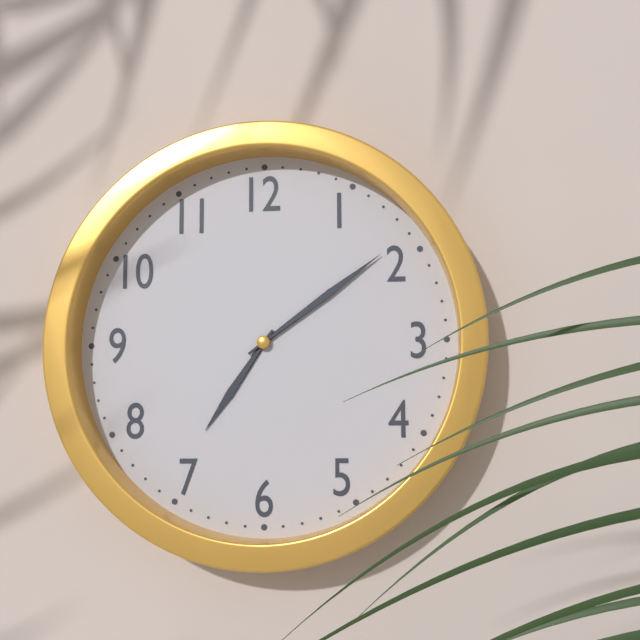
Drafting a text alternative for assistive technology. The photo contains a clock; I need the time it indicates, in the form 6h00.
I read 7h09
